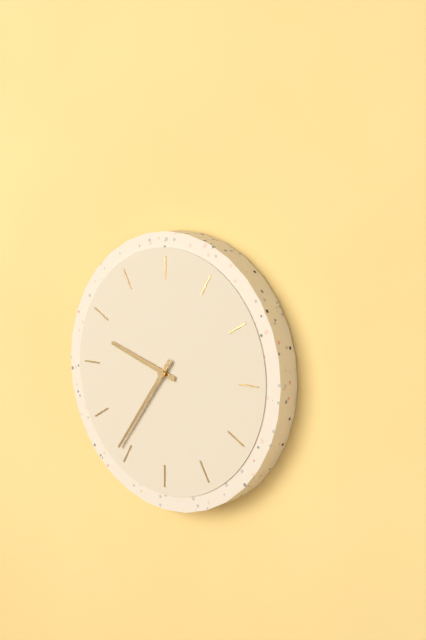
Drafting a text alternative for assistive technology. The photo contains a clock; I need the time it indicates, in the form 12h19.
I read 9h36
